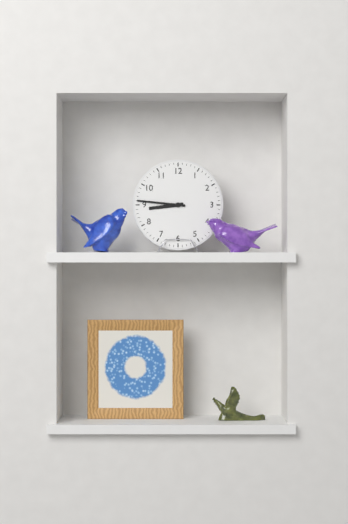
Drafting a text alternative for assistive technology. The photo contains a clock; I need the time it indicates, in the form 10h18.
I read 8h46
